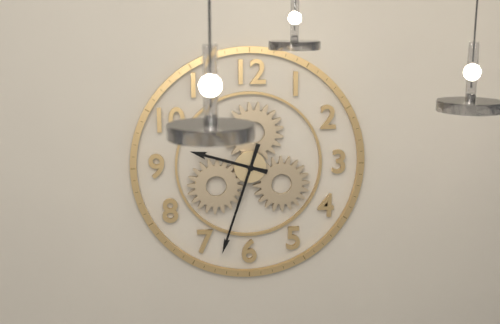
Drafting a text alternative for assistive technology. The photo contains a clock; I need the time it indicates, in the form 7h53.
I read 9h33
